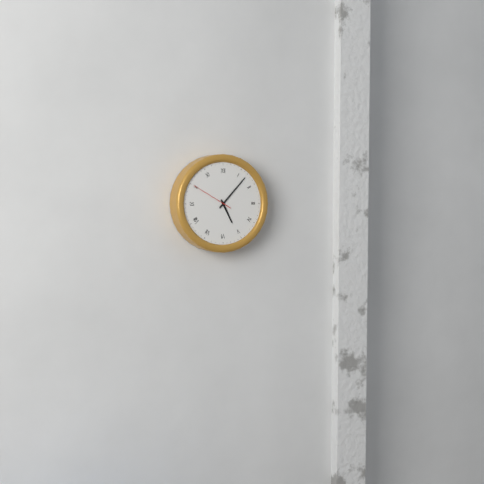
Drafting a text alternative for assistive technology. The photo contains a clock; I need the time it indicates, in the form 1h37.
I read 5h07
